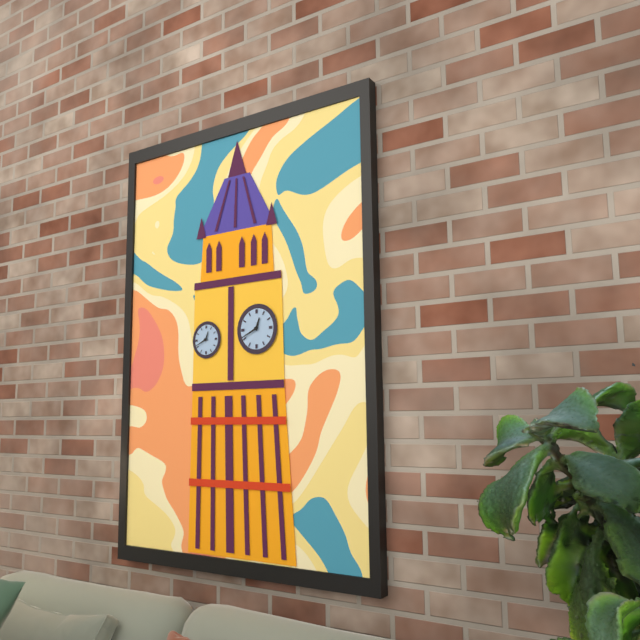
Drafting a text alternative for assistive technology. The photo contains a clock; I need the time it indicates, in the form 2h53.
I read 12h41
